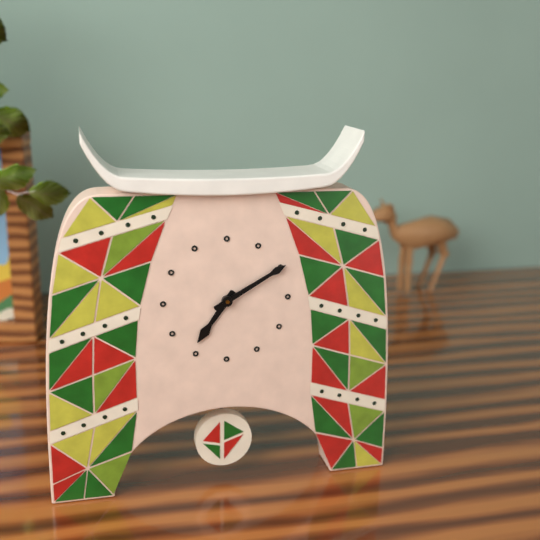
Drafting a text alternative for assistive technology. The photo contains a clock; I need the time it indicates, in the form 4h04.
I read 7h10
